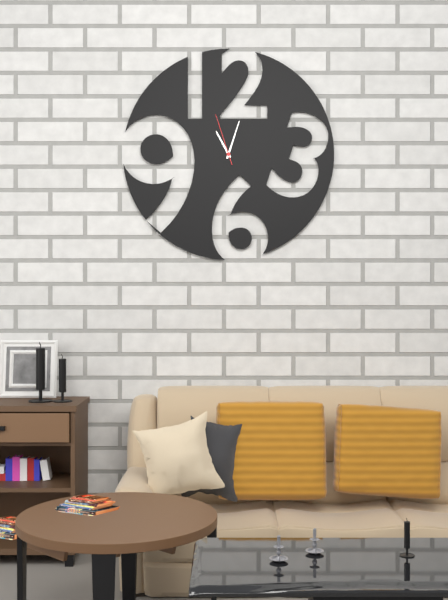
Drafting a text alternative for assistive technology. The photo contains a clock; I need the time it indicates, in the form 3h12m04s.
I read 11h03m57s
